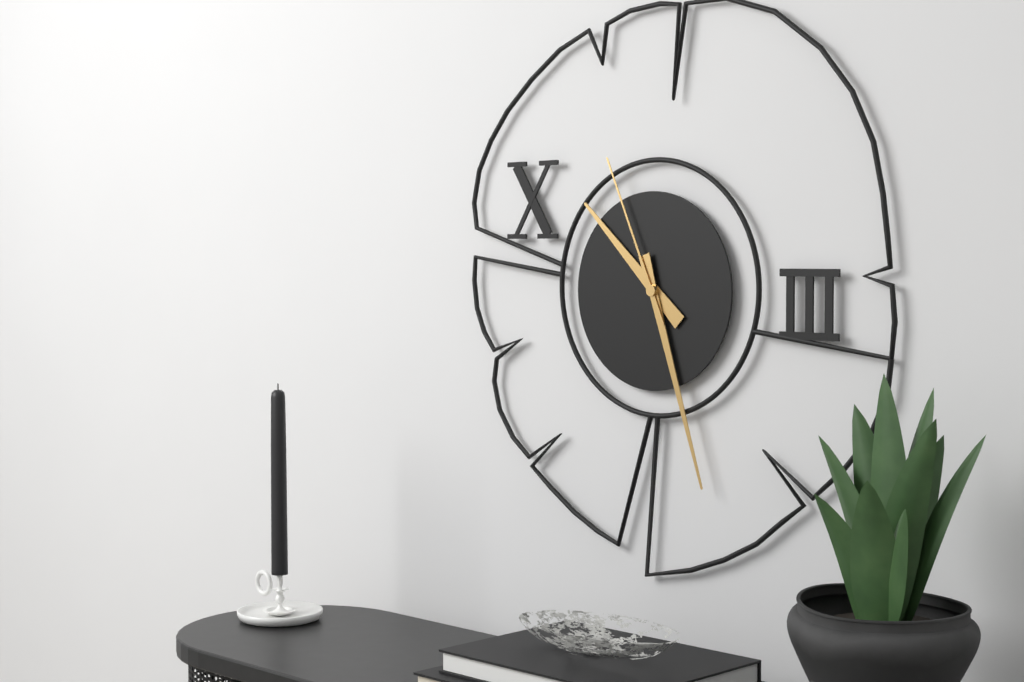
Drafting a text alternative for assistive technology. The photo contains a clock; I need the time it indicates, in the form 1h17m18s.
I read 10h27m56s
